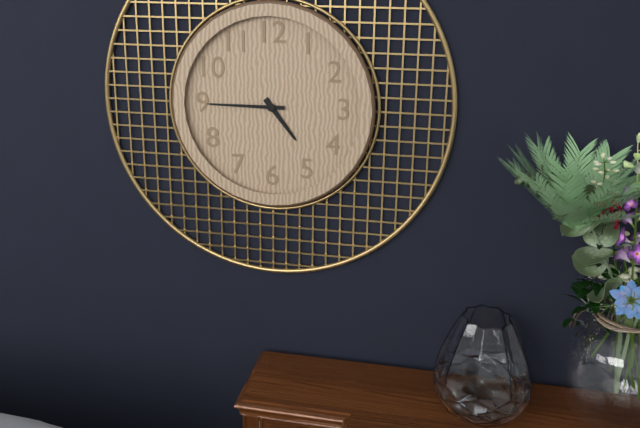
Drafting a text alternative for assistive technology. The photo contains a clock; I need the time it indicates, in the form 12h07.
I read 4h45
